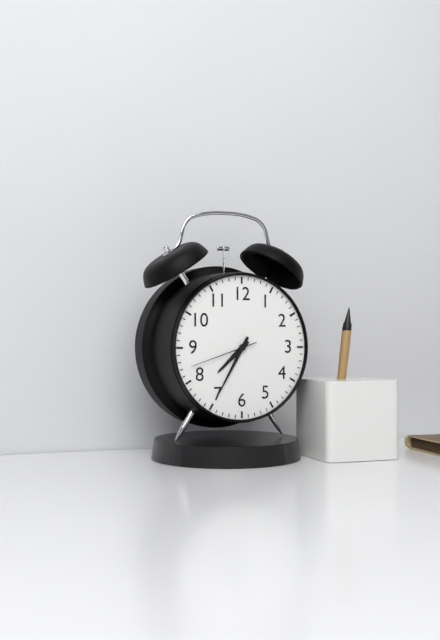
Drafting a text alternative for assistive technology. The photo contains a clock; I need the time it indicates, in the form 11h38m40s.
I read 7h35m42s
